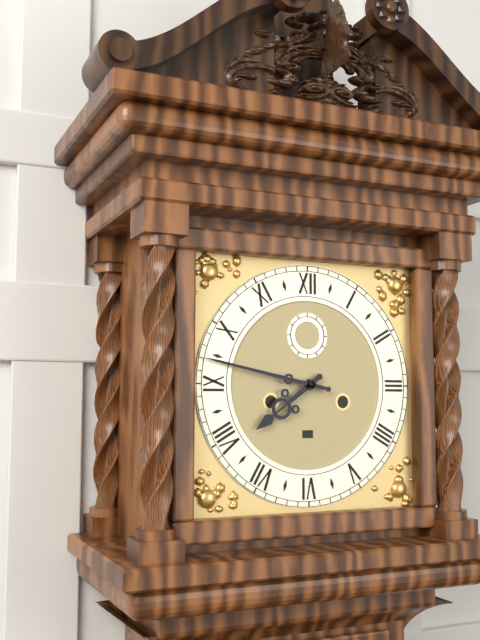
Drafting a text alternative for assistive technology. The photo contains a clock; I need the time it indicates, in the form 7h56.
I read 7h47
